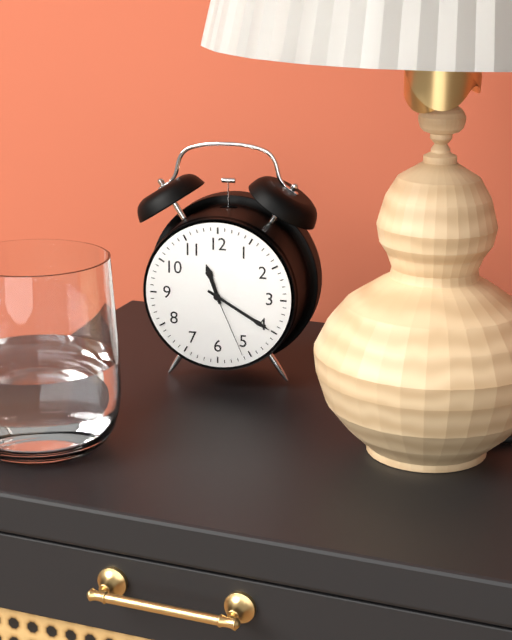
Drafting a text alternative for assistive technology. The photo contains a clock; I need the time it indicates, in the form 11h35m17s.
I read 11h20m26s
